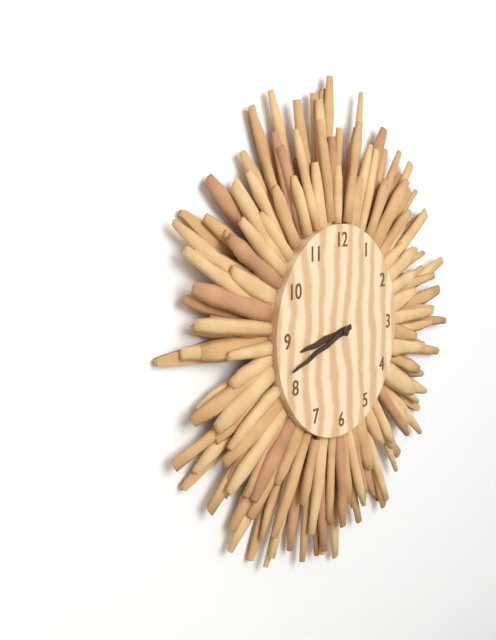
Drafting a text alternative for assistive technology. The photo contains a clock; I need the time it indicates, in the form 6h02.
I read 8h42
